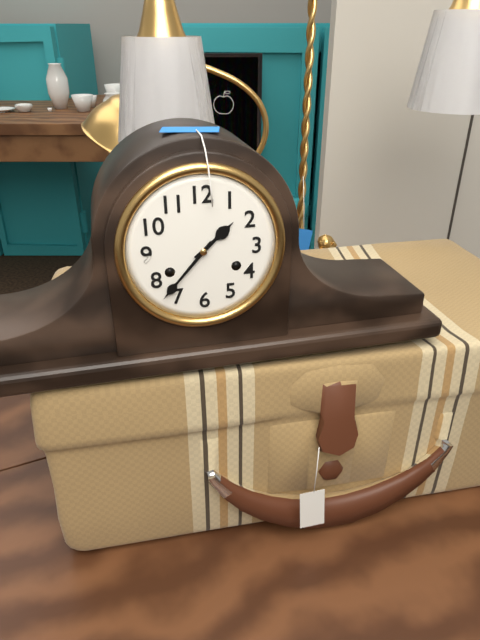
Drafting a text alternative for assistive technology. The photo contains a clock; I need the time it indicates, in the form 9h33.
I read 1h37
